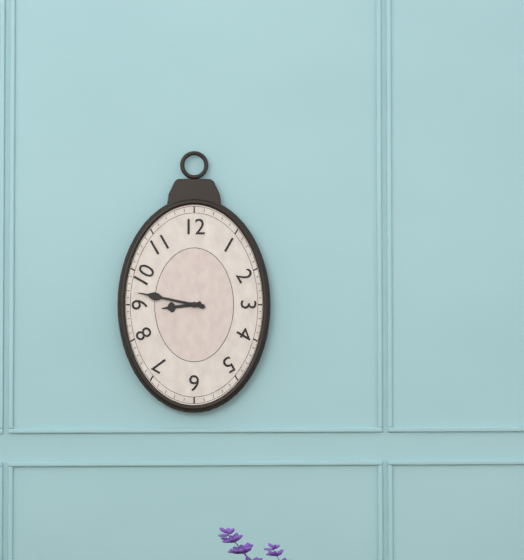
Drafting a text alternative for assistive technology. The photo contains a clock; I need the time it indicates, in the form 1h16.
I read 8h47
